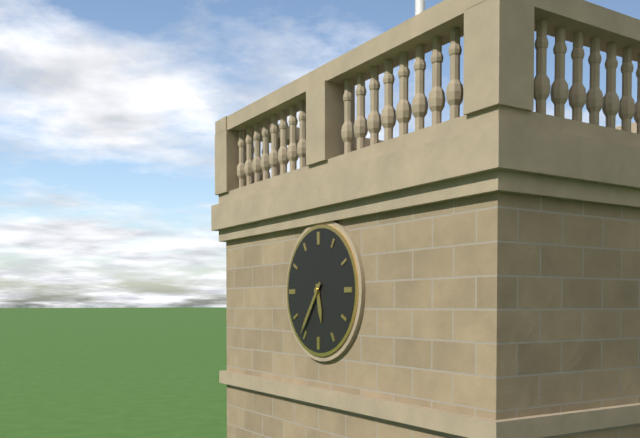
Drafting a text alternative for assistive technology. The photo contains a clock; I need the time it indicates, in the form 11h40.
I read 5h36
